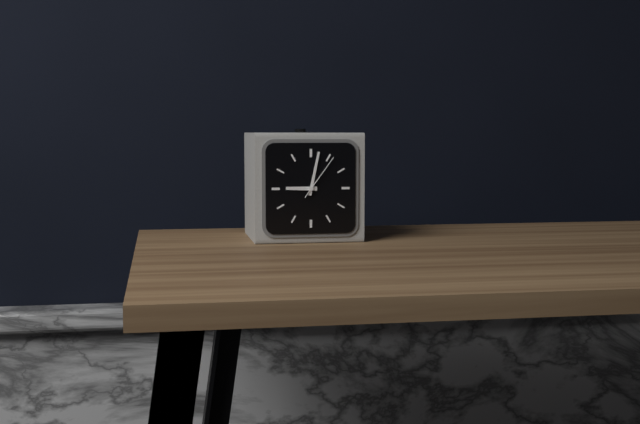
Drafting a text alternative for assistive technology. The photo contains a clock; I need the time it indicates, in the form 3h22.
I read 9h02
